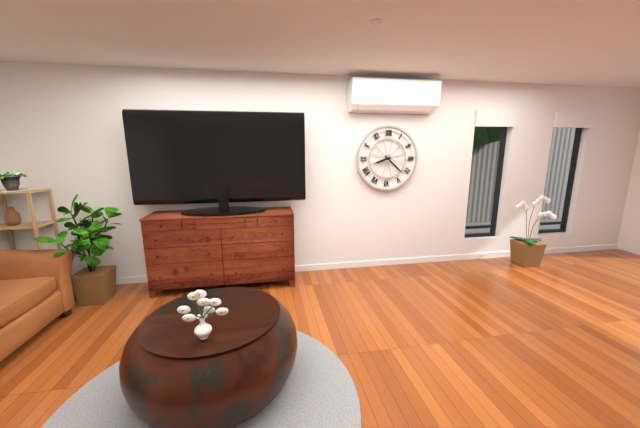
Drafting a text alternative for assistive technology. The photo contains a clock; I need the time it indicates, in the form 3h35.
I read 8h22
